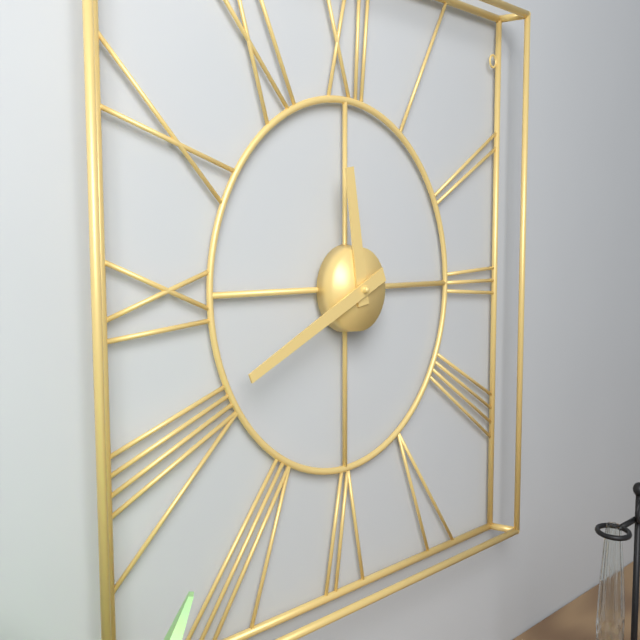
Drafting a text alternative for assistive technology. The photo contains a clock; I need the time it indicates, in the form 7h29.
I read 11h41
